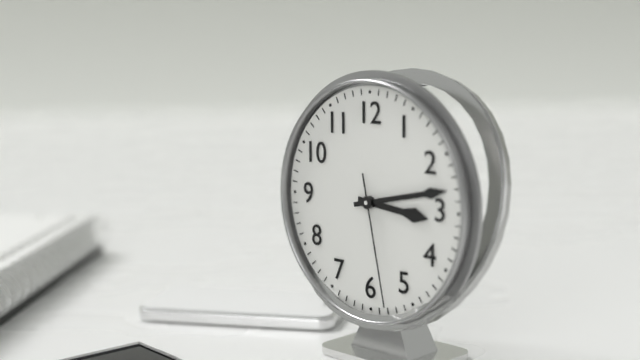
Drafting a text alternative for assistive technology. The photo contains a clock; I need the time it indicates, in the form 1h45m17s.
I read 3h13m28s
